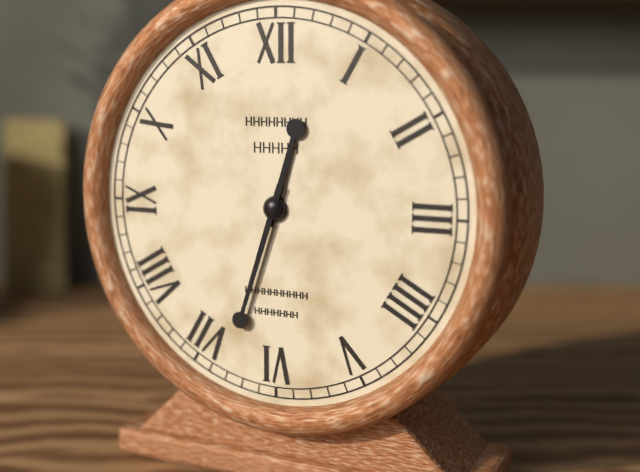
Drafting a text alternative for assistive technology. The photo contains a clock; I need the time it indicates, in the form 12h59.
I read 12h33
